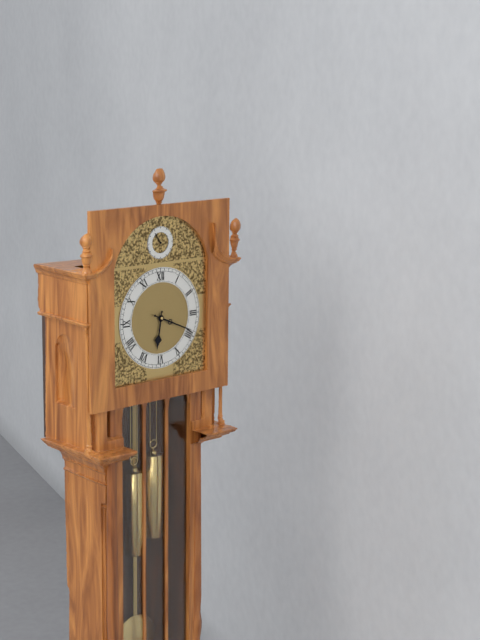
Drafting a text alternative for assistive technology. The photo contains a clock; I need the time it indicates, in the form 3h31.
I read 6h19
